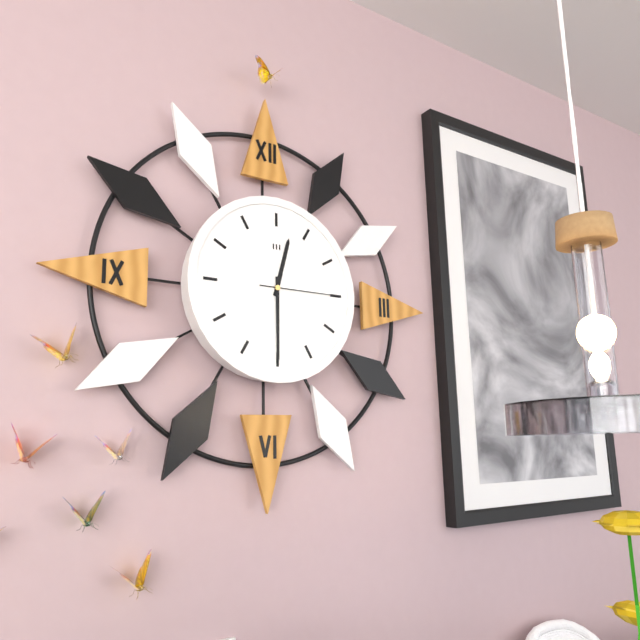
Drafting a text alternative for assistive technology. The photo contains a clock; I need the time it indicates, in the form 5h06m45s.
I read 12h30m15s
